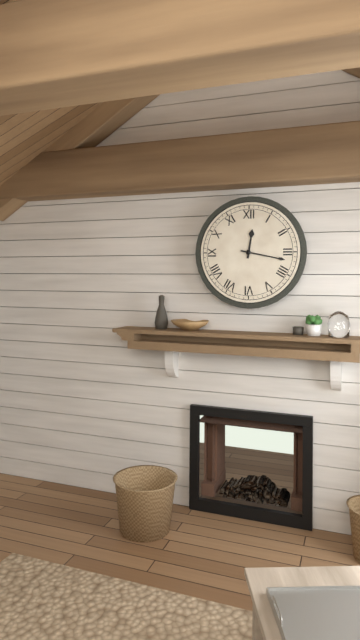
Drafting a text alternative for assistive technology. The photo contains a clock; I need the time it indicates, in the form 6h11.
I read 12h17
